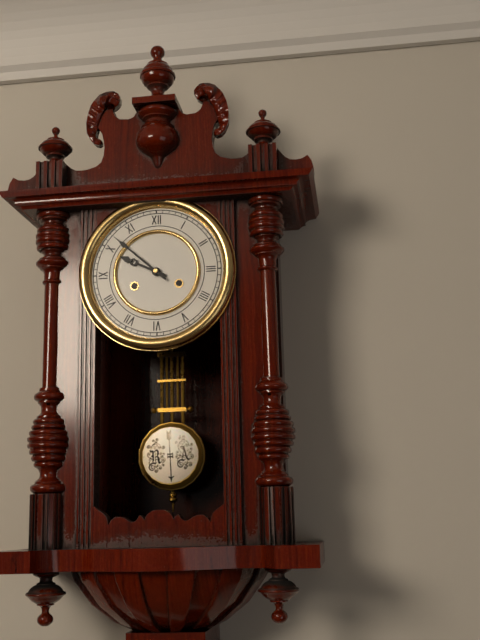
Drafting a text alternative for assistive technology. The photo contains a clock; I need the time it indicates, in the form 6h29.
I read 9h52
